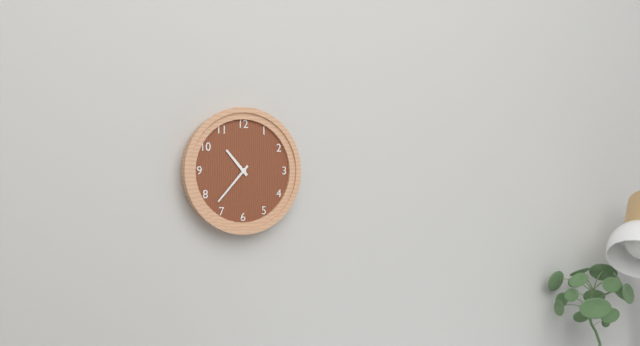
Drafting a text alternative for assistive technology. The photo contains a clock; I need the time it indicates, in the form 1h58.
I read 10h37
